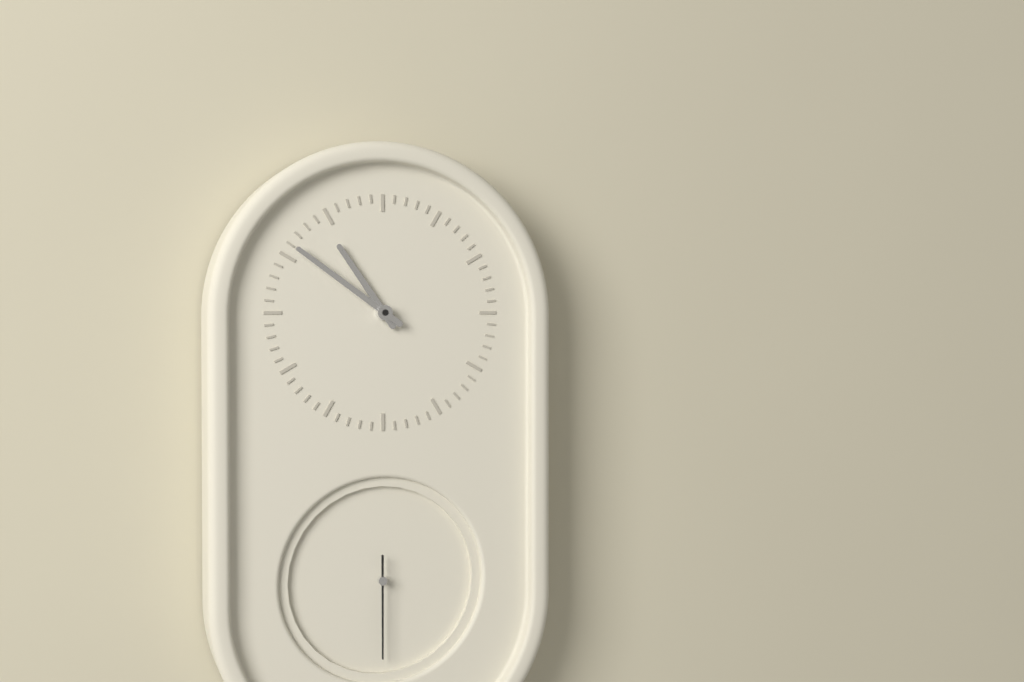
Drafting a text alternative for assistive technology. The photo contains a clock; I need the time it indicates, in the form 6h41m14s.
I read 10h51m30s
